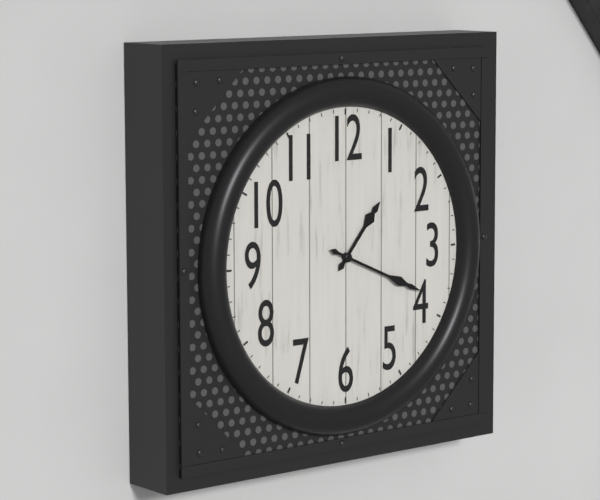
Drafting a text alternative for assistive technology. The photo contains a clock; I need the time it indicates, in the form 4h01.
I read 1h19
